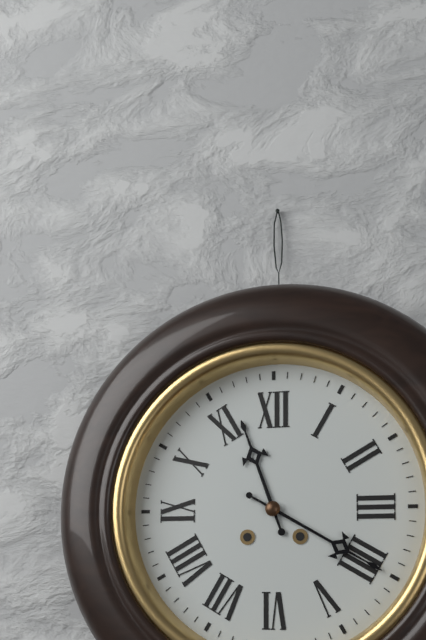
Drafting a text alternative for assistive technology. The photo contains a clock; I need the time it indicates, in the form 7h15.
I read 11h20
